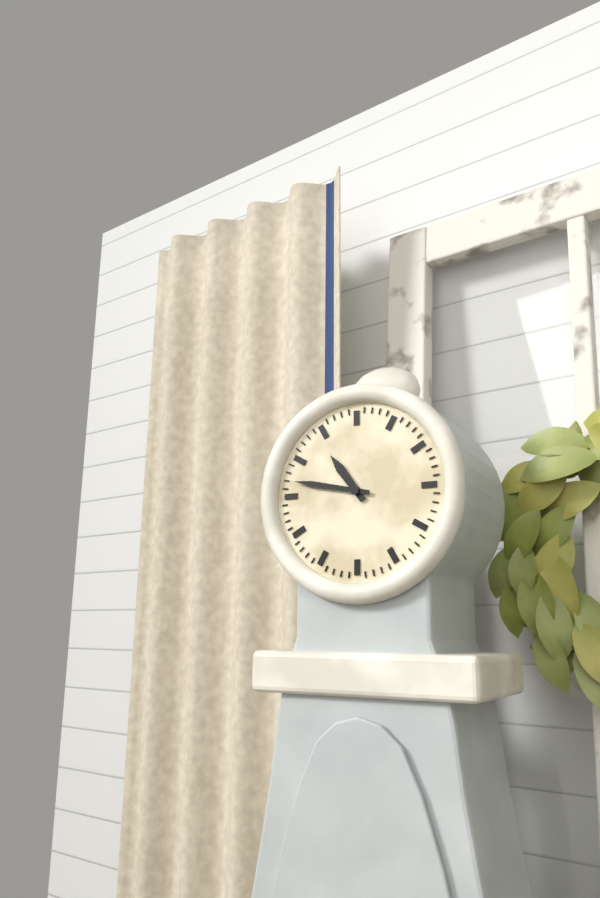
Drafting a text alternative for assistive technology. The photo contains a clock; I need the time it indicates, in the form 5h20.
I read 10h47
